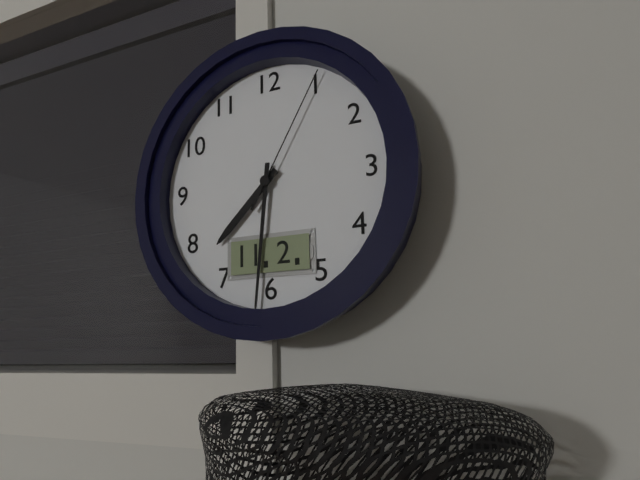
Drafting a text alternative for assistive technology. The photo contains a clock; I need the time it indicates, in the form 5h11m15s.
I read 7h31m05s
